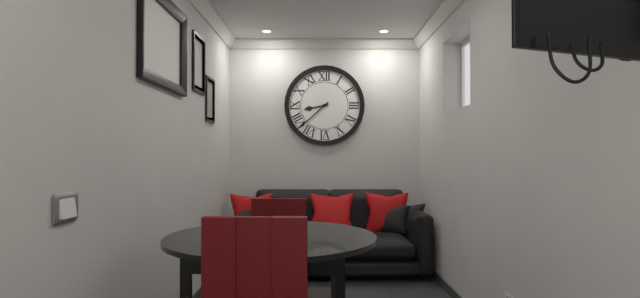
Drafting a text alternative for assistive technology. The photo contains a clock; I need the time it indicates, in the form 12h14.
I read 8h38
